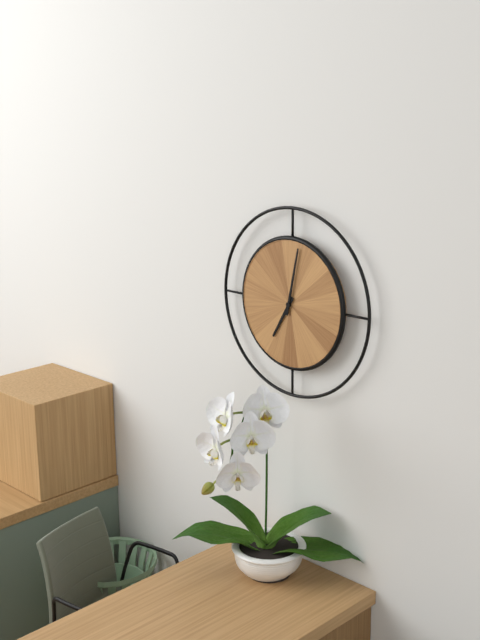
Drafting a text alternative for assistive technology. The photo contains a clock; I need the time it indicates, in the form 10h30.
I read 7h02
